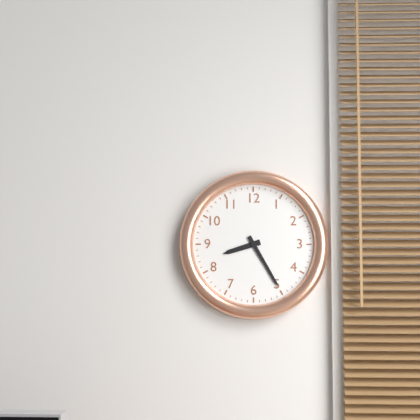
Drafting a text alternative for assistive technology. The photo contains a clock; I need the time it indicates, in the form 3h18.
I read 8h25
